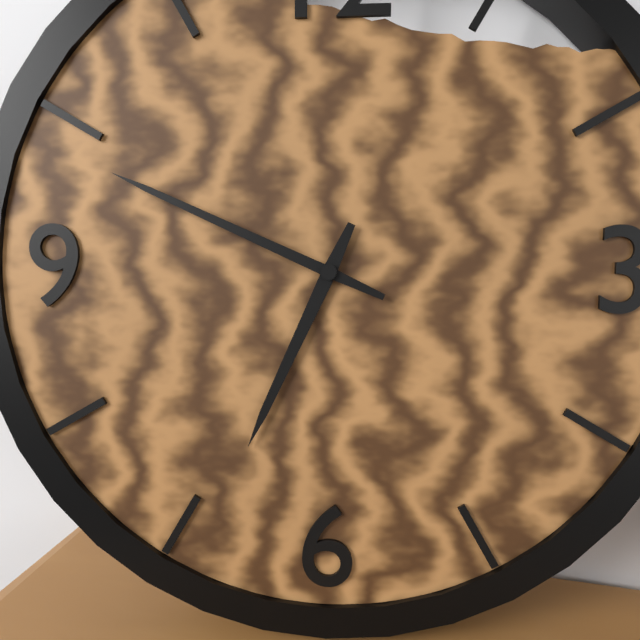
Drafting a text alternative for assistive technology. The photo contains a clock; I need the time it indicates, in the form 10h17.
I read 6h49
